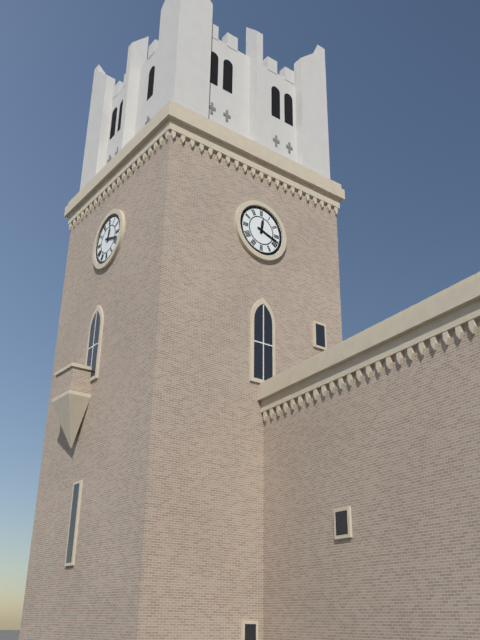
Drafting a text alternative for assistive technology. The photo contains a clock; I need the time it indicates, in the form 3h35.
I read 12h18
